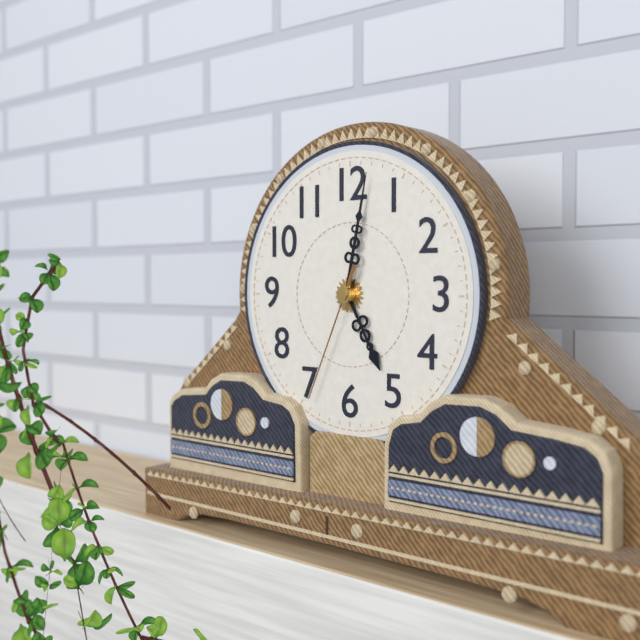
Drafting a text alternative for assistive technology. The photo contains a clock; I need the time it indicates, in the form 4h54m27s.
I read 5h02m34s
